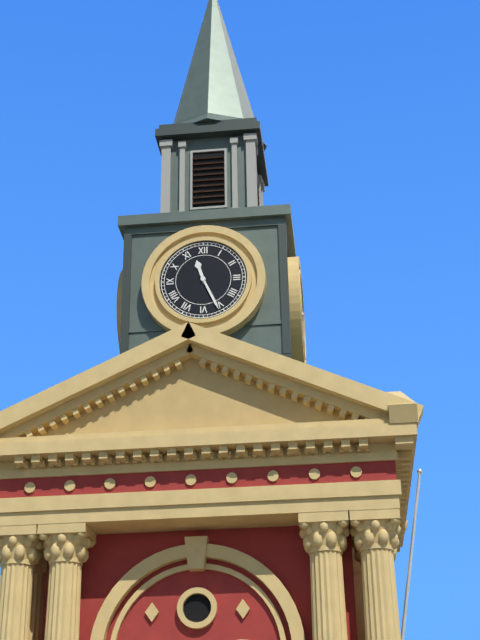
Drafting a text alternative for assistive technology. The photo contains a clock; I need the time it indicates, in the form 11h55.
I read 11h26
